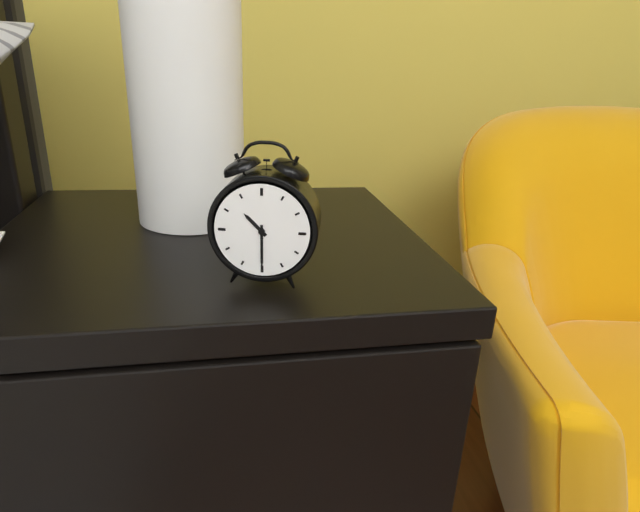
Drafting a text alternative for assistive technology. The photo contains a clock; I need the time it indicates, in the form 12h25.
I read 10h30
